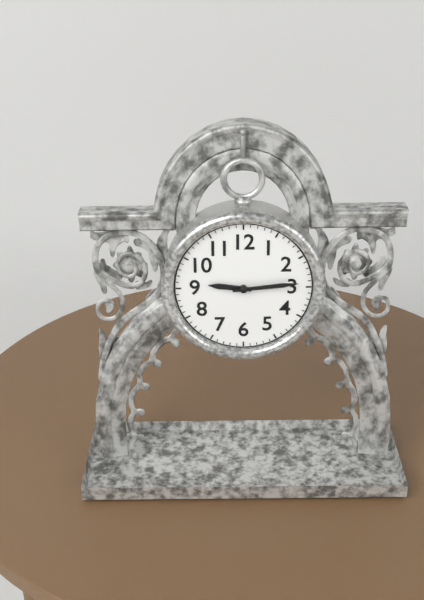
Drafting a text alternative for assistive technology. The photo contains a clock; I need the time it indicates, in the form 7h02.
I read 9h14
